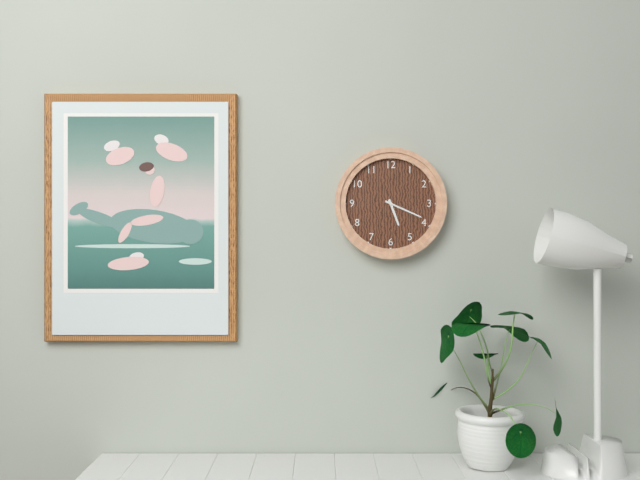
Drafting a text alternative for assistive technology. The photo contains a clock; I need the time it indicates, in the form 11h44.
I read 5h19
